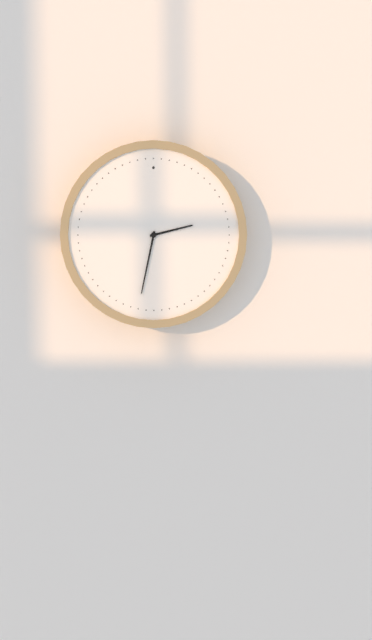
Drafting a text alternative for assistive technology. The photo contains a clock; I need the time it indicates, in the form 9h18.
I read 2h32
